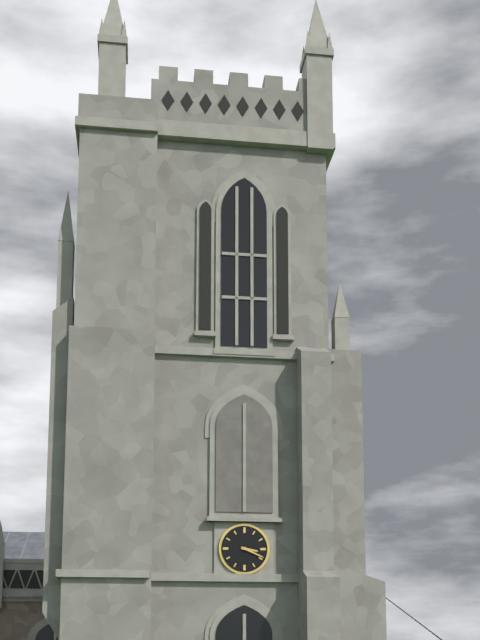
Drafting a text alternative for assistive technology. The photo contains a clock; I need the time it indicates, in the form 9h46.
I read 3h19
